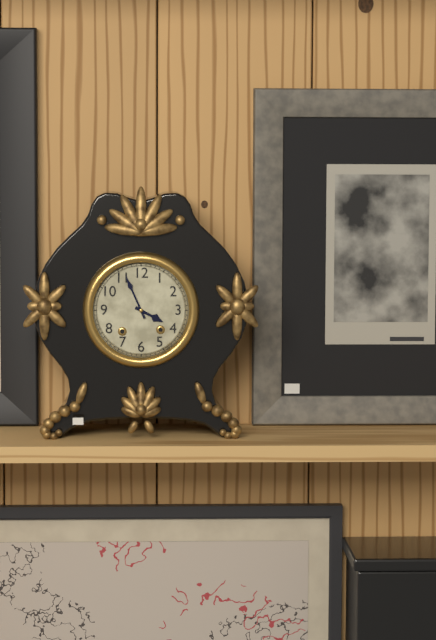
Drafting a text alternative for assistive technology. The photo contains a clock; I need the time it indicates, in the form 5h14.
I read 3h56
